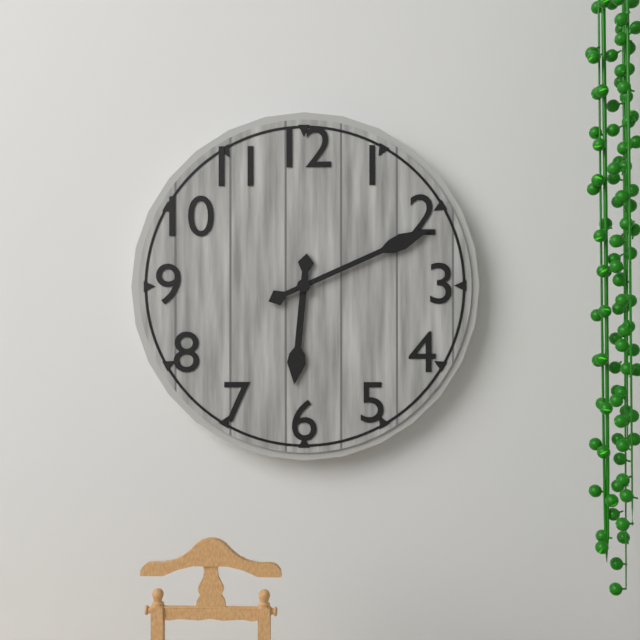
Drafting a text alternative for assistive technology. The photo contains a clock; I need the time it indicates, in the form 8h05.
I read 6h11
